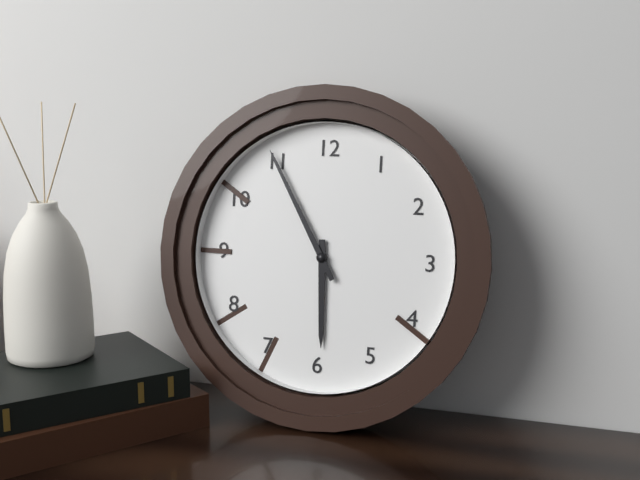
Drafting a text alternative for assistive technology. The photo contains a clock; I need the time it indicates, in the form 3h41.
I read 5h55
